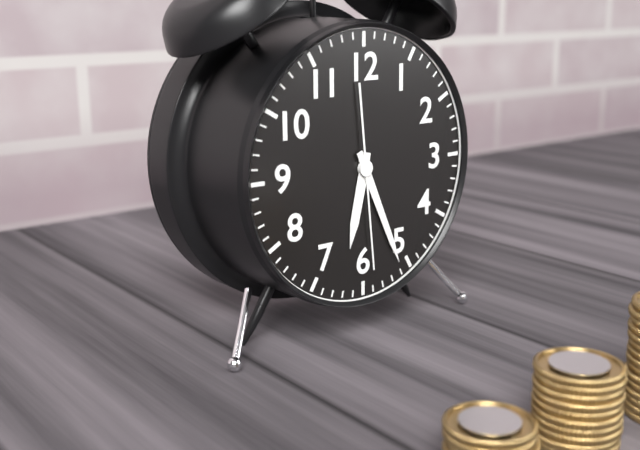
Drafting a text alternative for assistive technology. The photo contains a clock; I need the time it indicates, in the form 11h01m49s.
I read 6h26m29s
